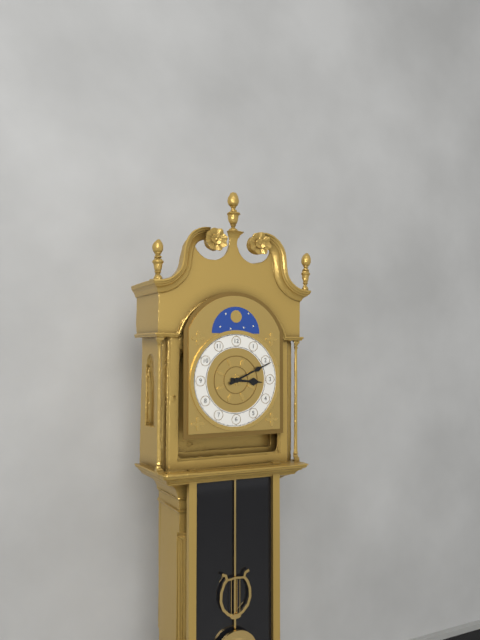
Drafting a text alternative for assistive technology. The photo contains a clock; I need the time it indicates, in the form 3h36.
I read 3h11
